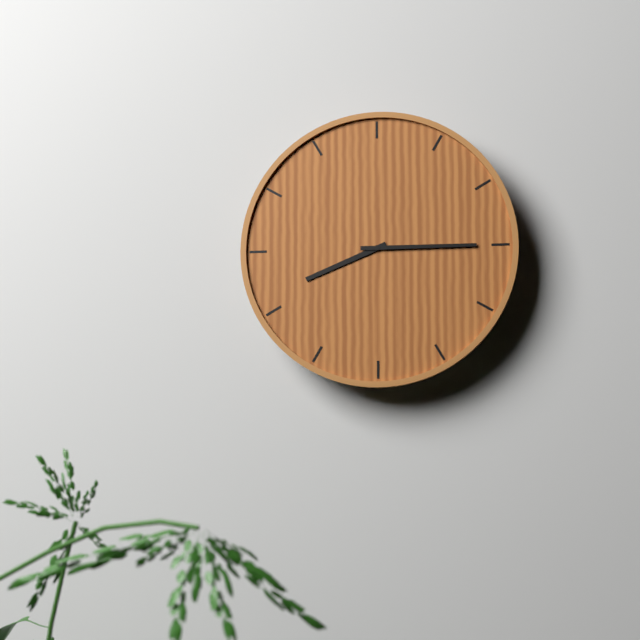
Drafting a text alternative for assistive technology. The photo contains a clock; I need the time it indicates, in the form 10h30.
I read 8h15
